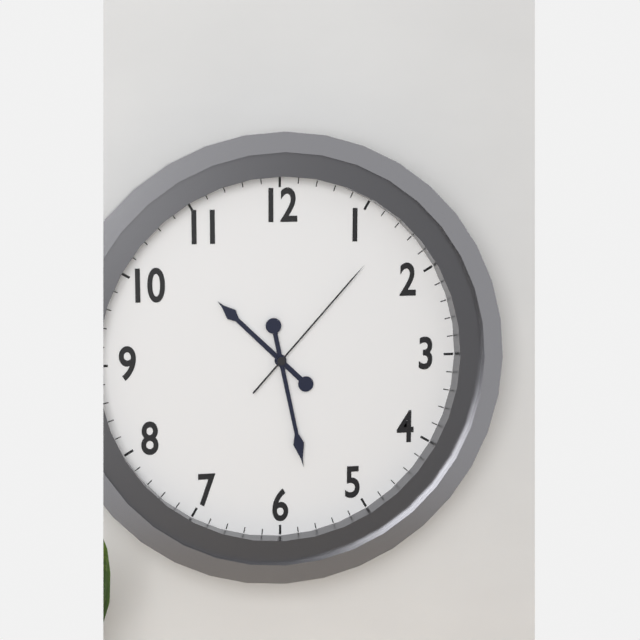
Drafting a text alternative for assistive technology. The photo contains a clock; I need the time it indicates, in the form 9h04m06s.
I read 10h28m07s
